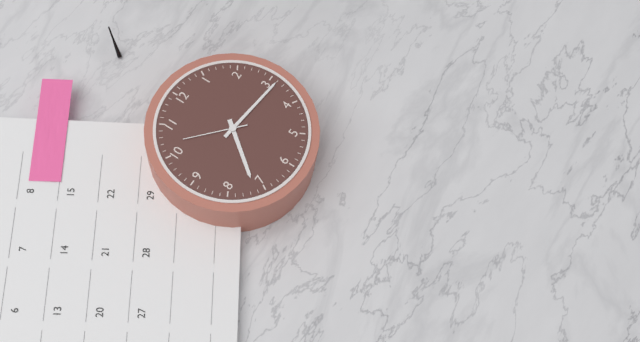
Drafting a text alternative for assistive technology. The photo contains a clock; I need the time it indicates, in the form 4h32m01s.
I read 7h16m52s
